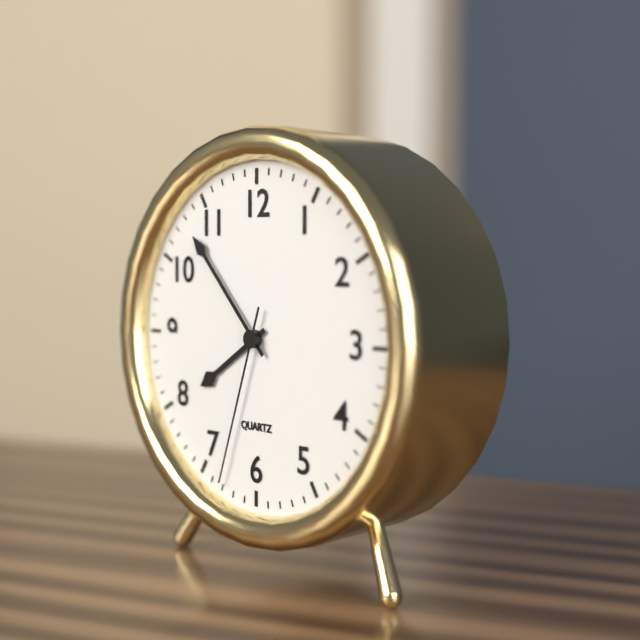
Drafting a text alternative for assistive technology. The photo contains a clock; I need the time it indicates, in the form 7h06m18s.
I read 7h53m33s
